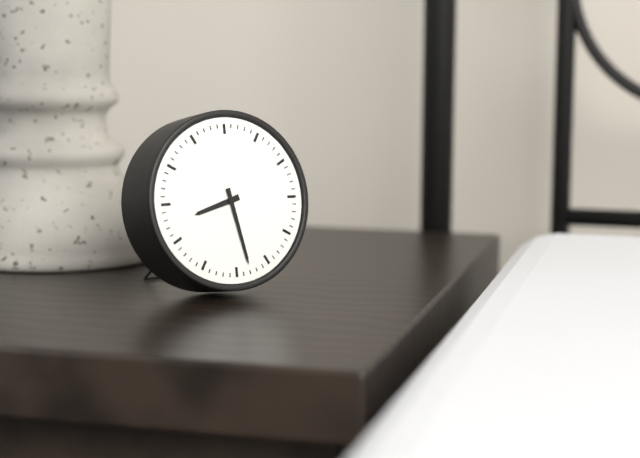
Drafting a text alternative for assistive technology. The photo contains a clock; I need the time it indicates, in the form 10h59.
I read 8h28
